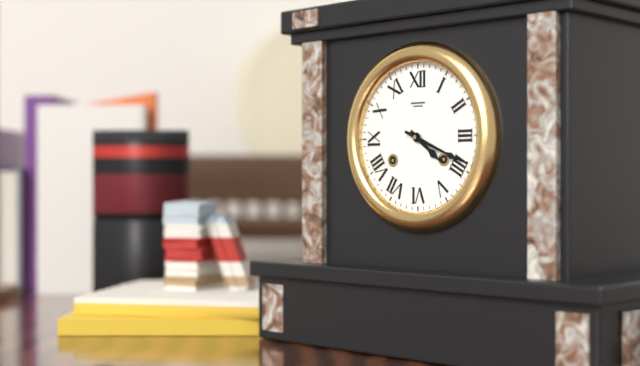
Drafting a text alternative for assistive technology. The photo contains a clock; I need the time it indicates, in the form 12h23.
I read 4h19
